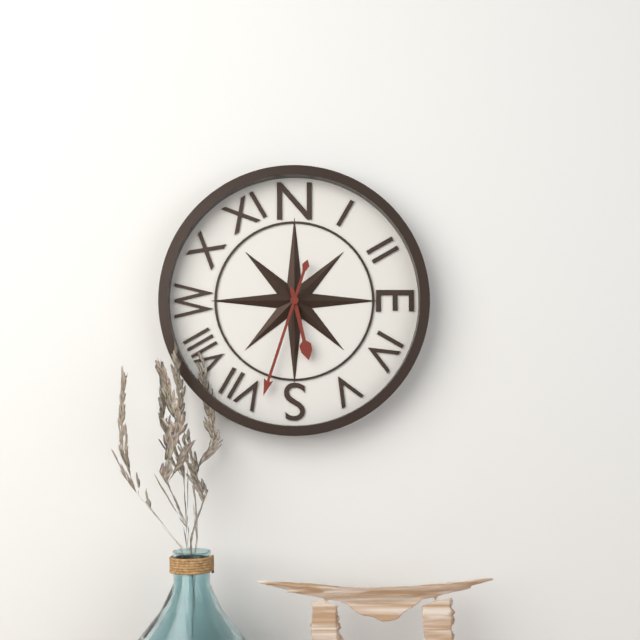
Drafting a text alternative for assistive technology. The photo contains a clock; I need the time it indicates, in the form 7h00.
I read 5h33
